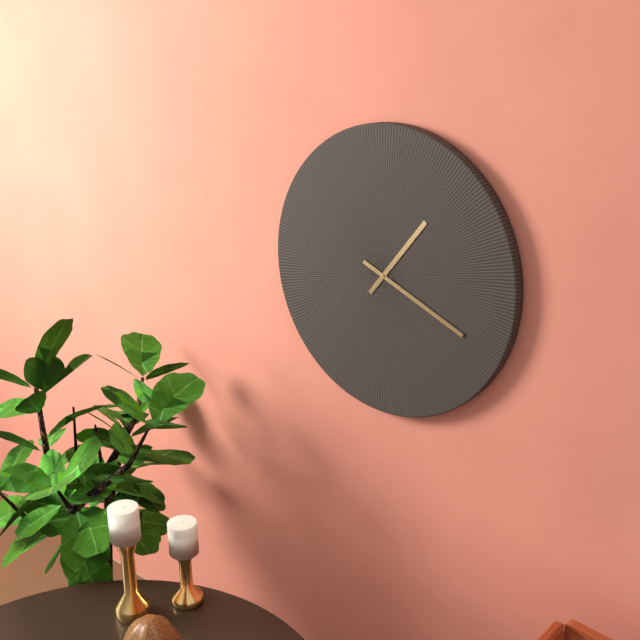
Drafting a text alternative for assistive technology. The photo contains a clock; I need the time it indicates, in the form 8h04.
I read 1h19
